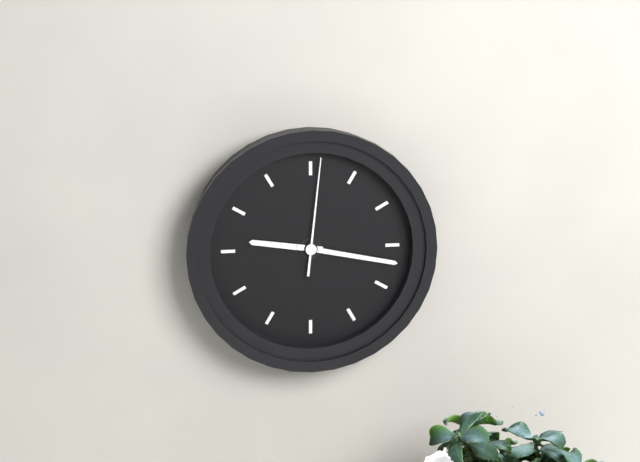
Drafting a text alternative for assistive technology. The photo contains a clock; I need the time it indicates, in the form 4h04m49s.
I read 9h17m01s
